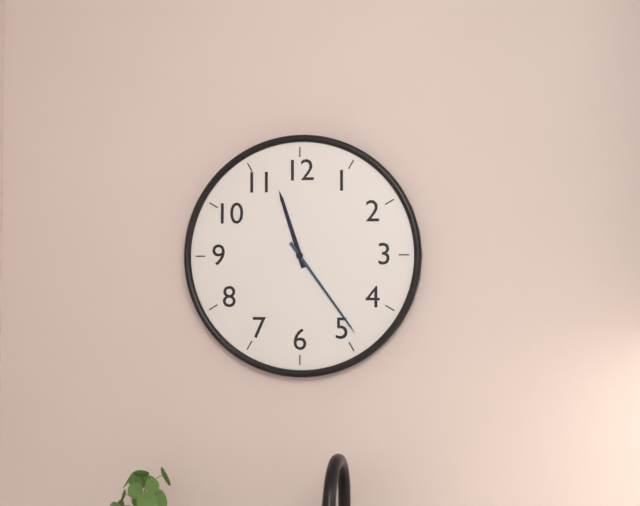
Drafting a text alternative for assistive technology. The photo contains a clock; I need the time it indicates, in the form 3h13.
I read 11h24
